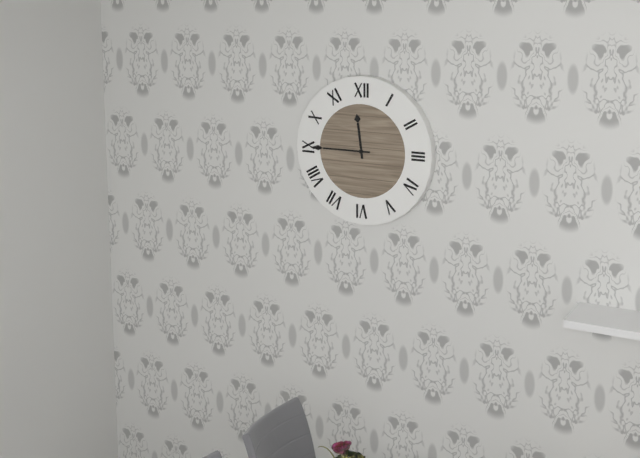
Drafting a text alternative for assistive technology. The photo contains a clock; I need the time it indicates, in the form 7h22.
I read 11h45
